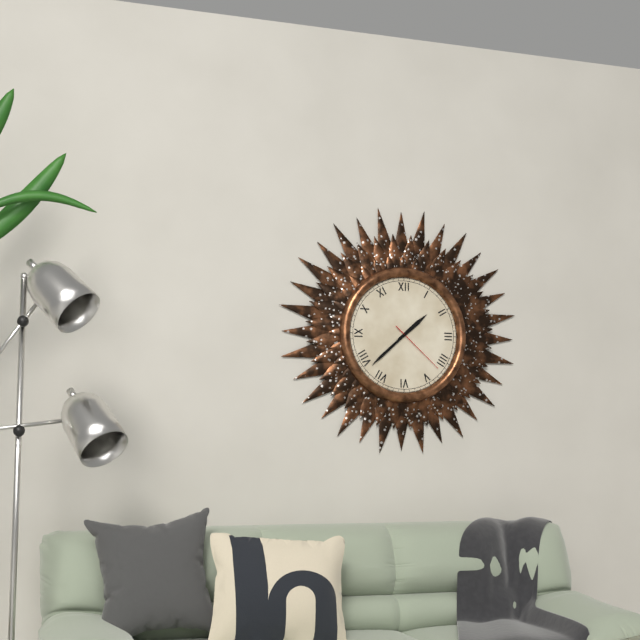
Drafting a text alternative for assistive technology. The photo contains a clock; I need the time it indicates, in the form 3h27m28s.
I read 1h38m22s
